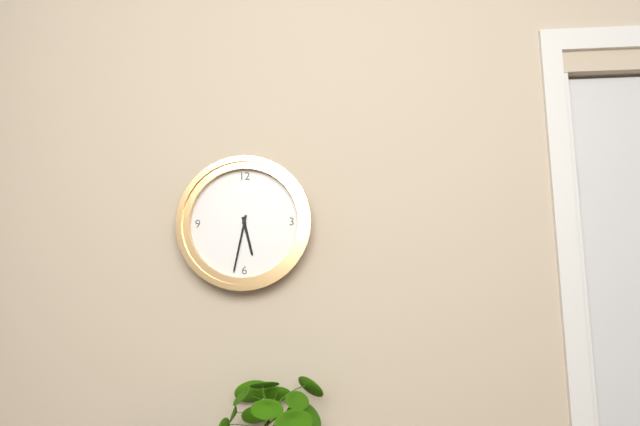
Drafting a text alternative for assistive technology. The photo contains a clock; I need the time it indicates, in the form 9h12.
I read 5h32
